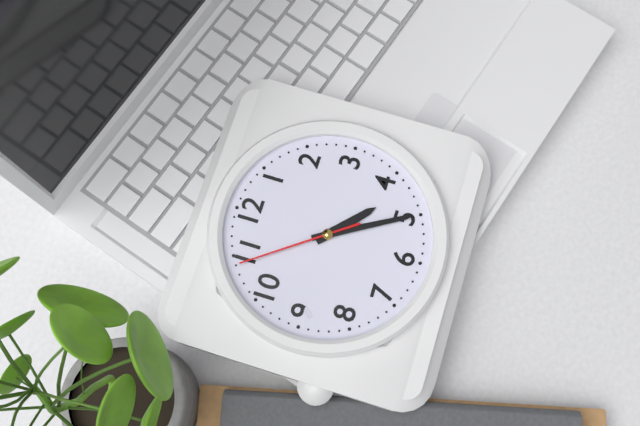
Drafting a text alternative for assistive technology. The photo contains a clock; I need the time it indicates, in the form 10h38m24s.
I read 4h25m54s
